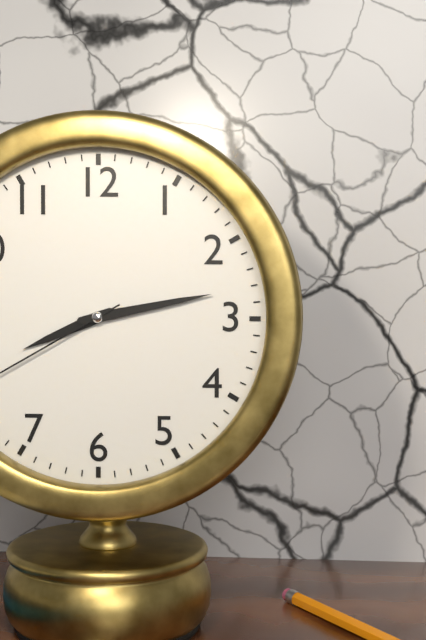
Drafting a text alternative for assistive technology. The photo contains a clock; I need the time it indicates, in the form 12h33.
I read 8h13
